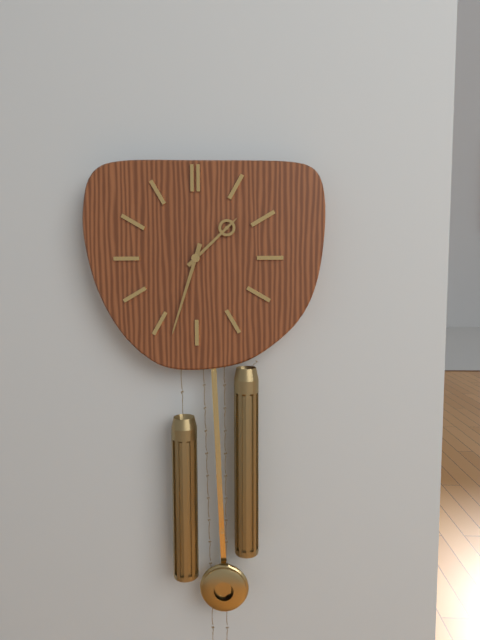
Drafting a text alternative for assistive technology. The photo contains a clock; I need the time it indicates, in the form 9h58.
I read 1h33
